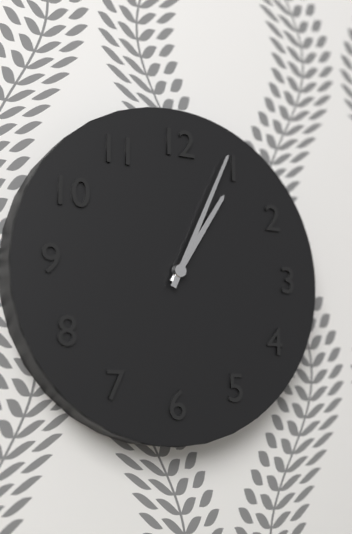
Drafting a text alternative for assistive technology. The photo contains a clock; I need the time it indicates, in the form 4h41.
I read 1h04
